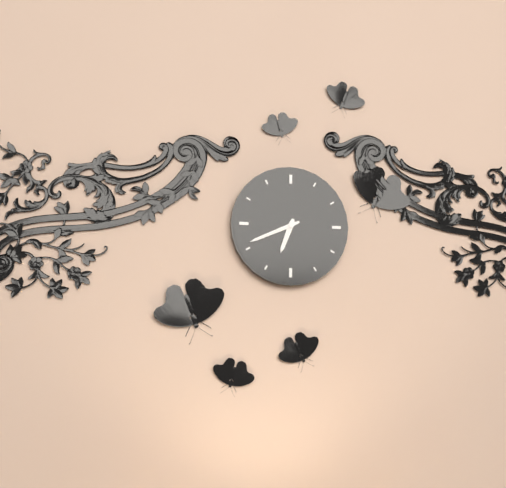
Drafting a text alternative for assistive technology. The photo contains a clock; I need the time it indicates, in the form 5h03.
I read 6h41
